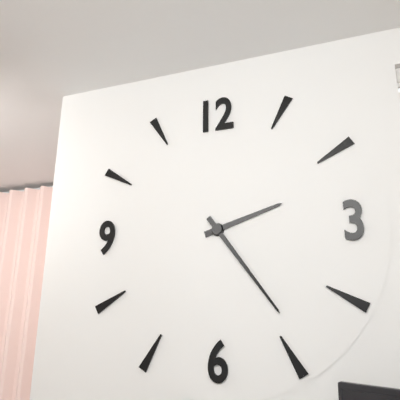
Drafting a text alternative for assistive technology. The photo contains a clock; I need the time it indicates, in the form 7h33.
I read 2h24
